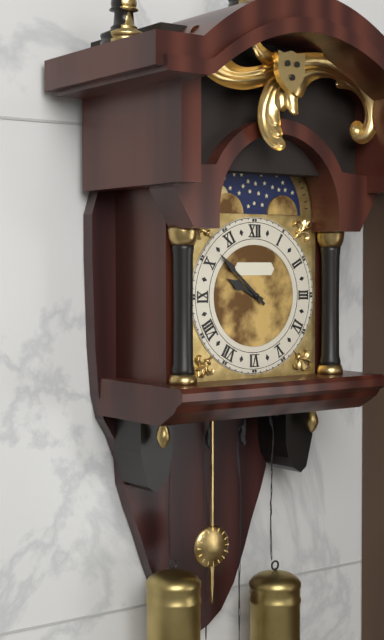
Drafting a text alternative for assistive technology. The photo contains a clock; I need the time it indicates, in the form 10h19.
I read 9h52
